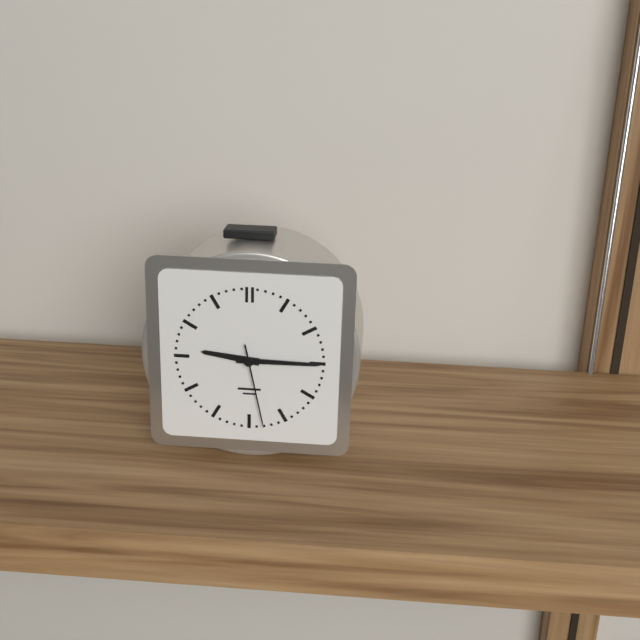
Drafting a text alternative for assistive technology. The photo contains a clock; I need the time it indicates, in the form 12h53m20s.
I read 9h15m28s
